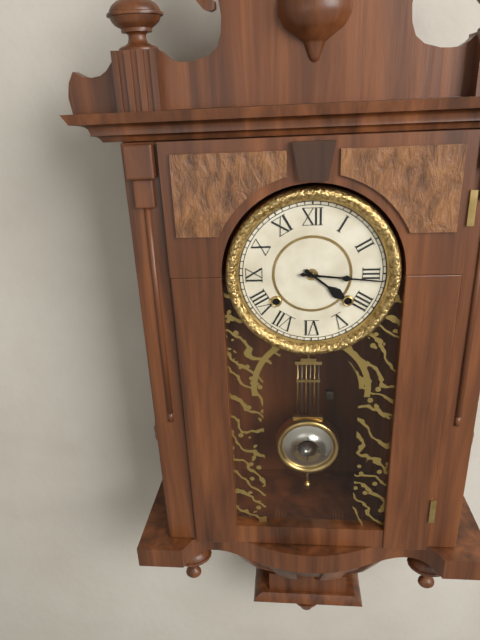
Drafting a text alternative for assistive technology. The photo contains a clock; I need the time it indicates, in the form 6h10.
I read 4h16
